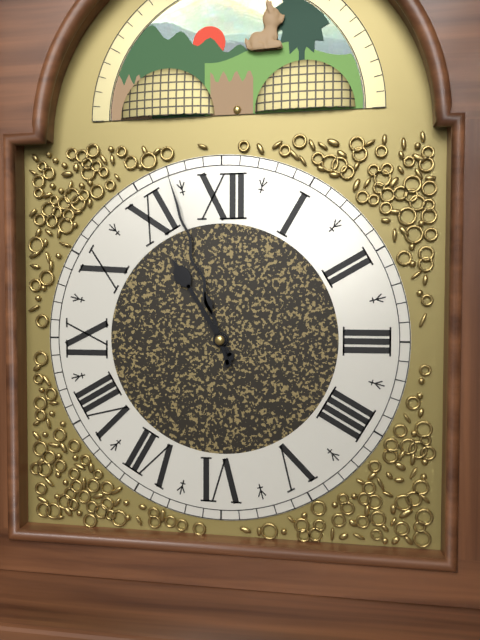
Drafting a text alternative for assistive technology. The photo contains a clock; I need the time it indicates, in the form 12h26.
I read 10h57
